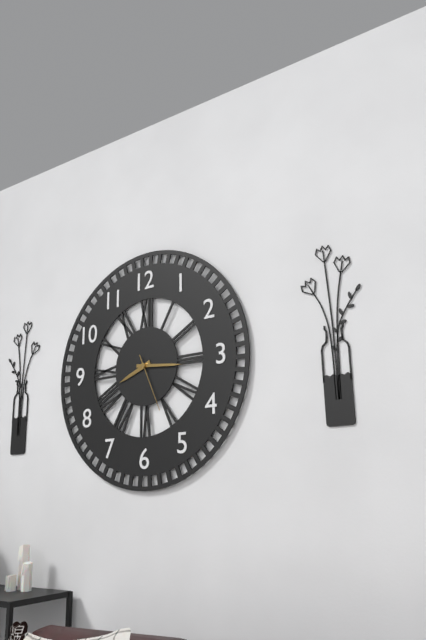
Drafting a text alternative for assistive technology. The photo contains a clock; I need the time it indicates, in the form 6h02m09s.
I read 8h16m26s
